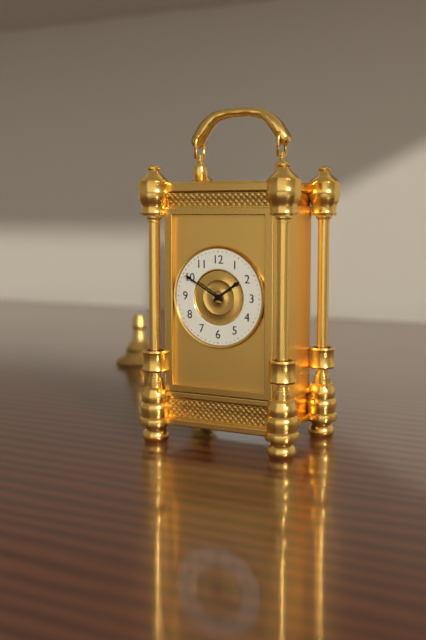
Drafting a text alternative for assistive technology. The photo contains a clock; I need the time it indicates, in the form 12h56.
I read 1h50
